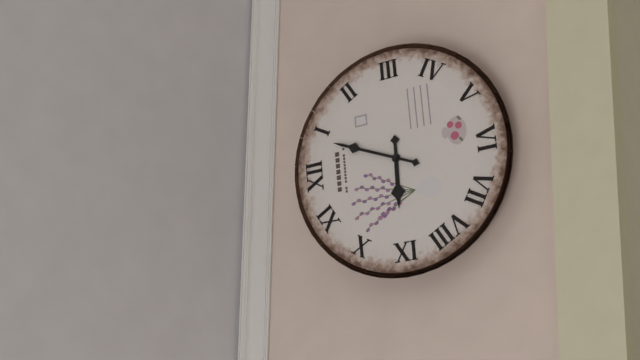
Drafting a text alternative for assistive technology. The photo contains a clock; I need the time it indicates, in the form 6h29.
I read 9h04
